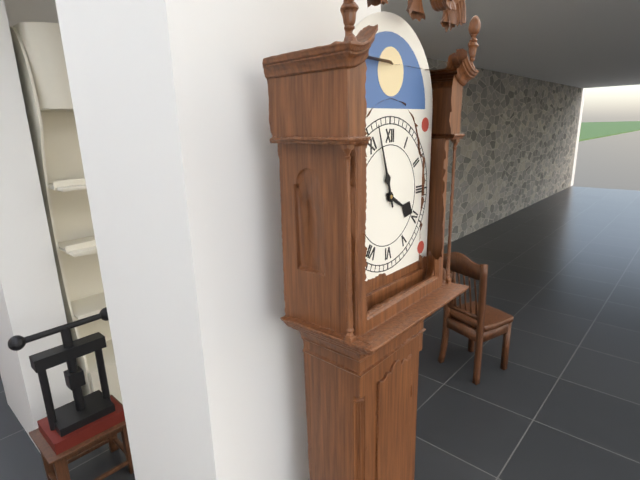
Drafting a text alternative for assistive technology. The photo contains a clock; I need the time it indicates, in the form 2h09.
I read 3h57
